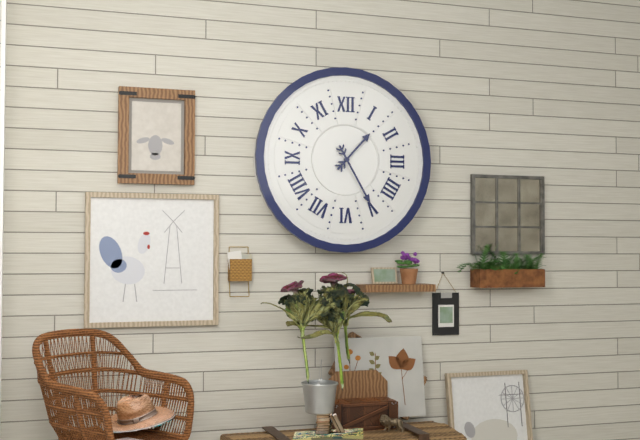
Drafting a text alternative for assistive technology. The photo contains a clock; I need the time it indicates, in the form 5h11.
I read 1h25
